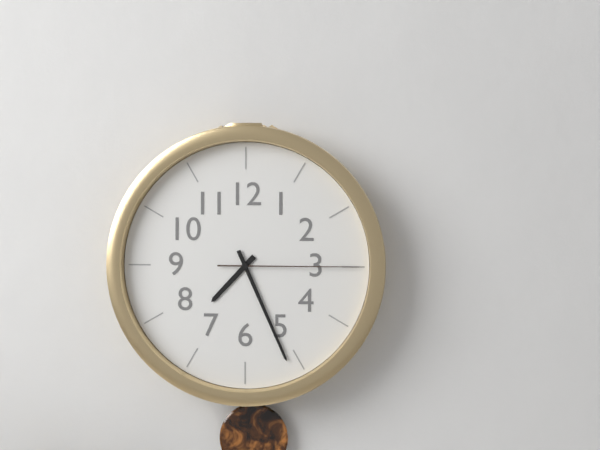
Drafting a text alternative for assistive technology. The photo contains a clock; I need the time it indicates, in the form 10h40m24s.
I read 7h26m15s
